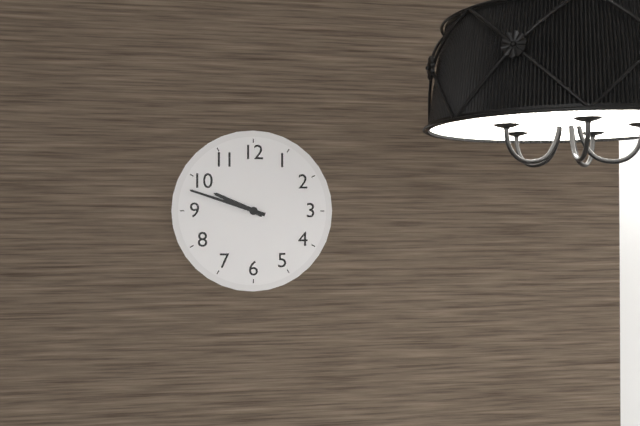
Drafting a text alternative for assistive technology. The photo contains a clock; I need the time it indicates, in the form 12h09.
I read 9h48
